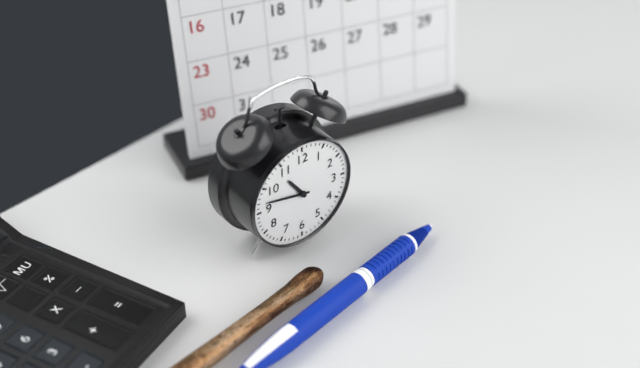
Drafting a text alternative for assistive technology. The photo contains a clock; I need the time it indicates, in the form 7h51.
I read 10h47
